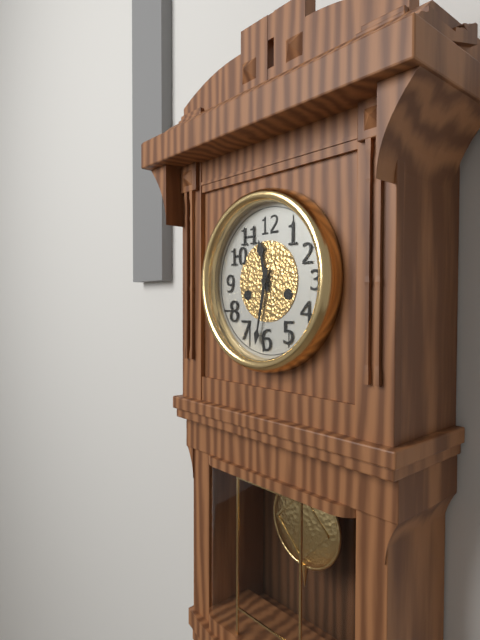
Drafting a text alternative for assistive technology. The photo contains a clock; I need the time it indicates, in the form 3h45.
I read 11h32
